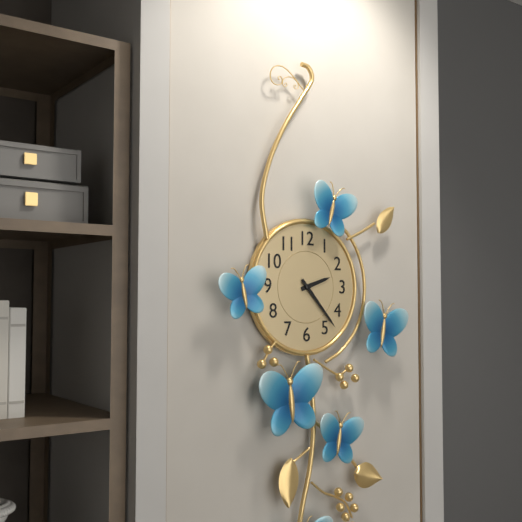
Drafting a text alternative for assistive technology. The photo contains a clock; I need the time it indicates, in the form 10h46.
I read 2h23
